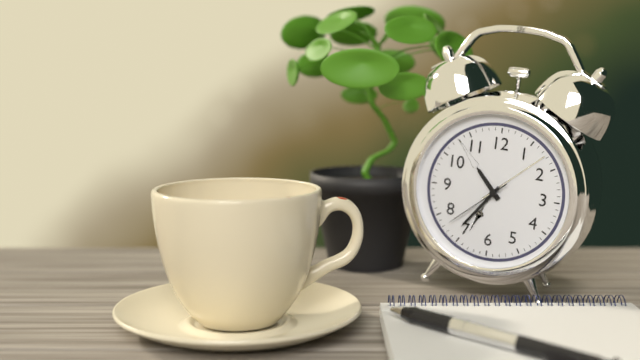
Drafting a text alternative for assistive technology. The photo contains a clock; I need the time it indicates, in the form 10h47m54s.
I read 10h36m38s
